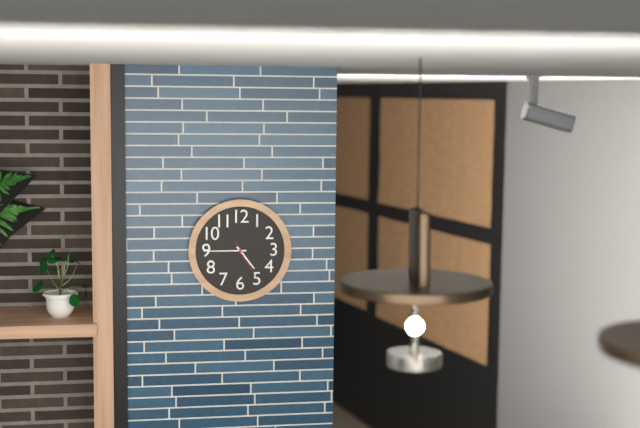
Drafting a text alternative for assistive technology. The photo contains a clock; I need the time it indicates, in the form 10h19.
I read 4h45
